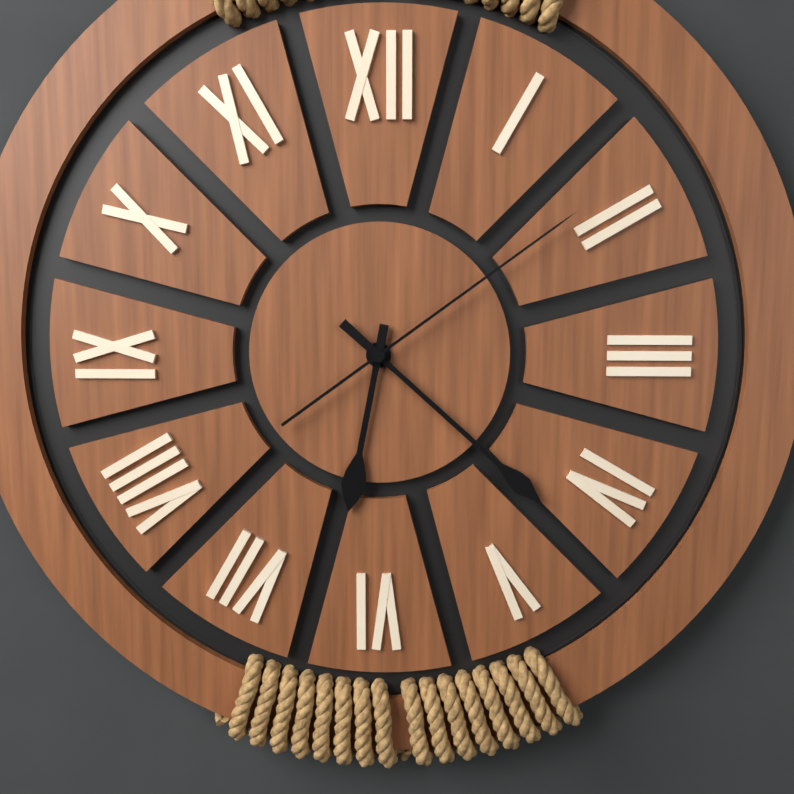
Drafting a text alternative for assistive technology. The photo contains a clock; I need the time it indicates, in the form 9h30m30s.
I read 6h22m09s
